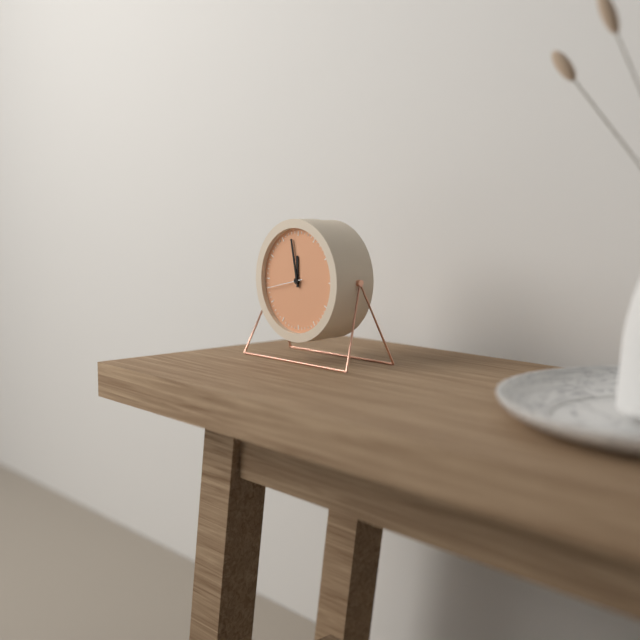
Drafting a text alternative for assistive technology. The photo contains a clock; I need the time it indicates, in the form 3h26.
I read 11h58
